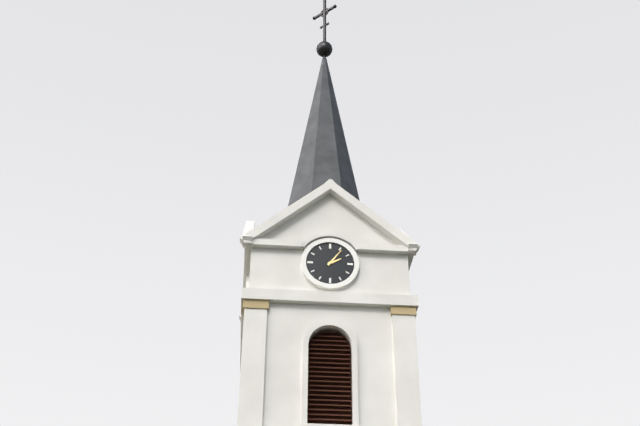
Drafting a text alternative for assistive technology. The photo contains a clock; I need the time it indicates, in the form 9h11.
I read 2h06
